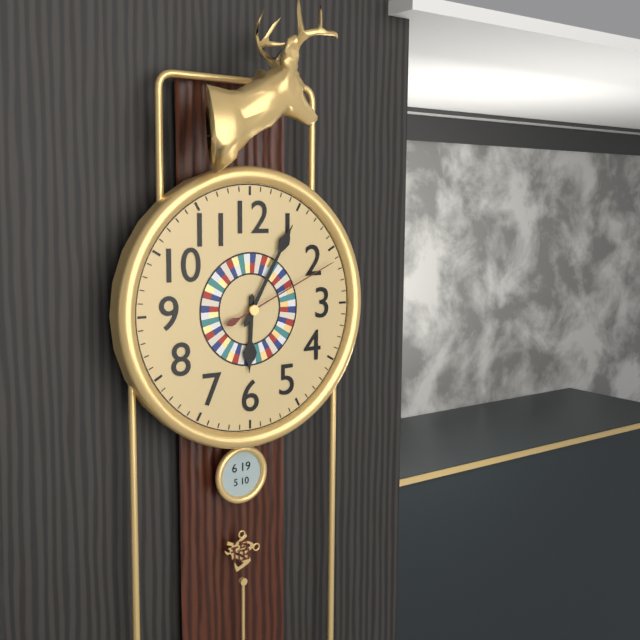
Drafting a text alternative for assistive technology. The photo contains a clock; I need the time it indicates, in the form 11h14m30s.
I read 6h05m11s
